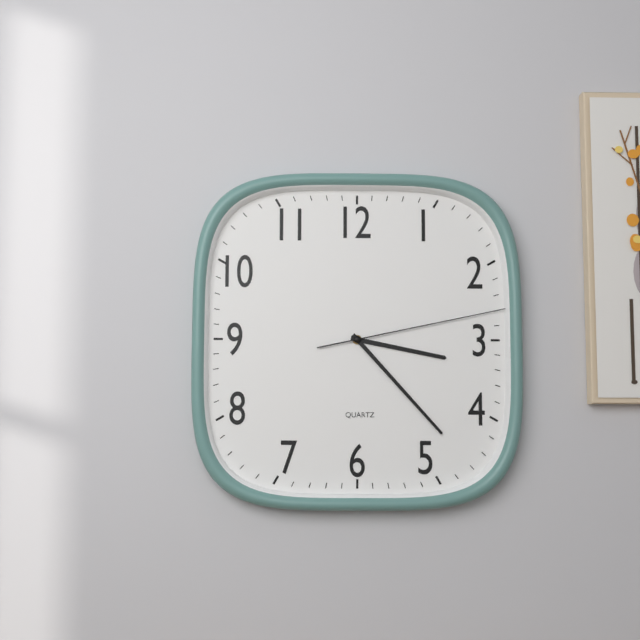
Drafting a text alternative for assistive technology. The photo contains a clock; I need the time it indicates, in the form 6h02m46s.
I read 3h23m13s
